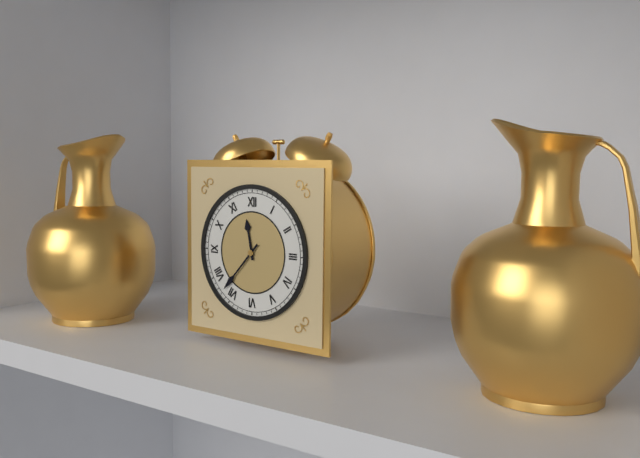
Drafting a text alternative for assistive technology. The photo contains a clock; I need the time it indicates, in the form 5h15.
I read 11h37
